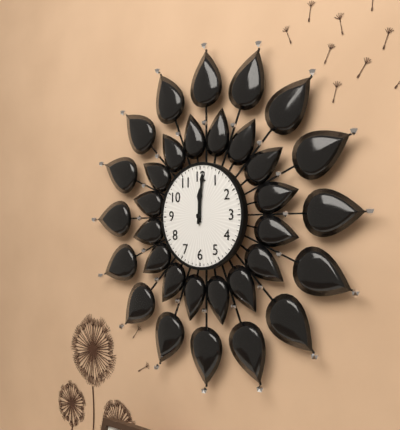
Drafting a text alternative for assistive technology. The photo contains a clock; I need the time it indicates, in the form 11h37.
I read 12h01
